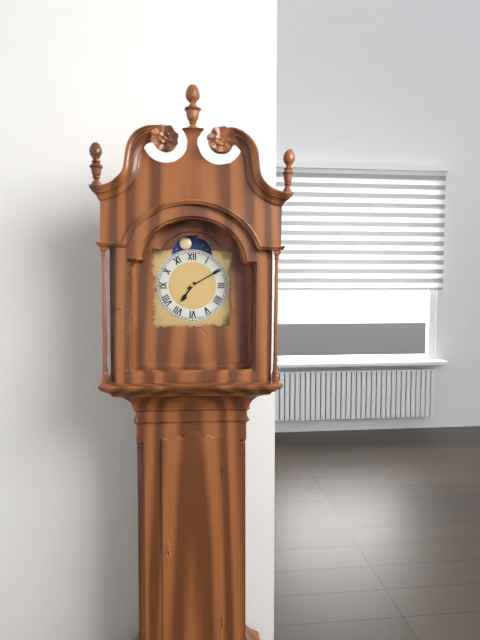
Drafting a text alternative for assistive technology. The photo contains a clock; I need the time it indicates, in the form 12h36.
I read 7h10
